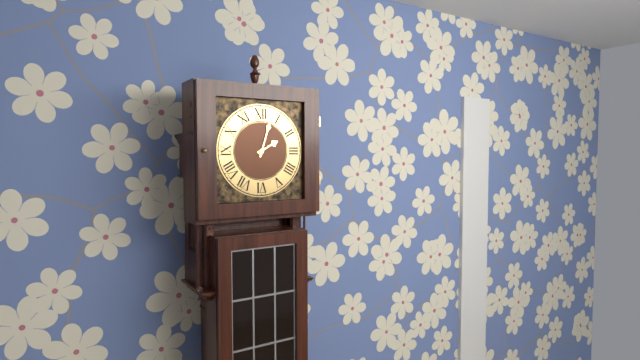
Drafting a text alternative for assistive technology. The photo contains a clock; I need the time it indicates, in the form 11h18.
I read 2h03
